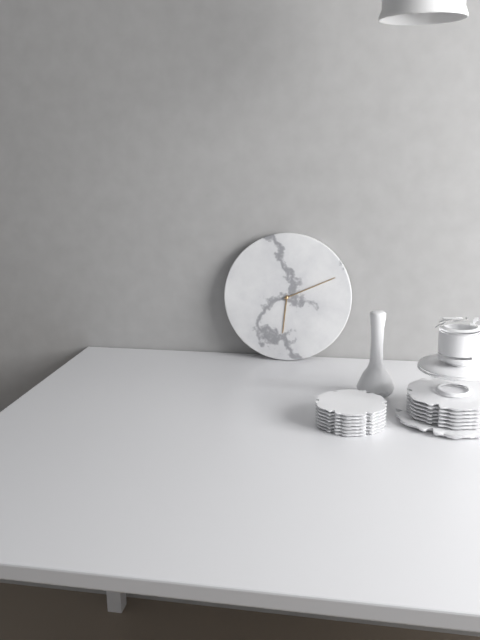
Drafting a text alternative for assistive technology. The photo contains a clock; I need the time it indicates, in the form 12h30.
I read 6h11
